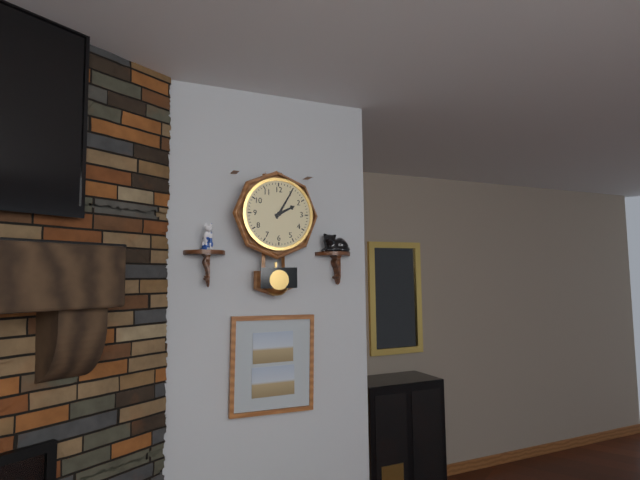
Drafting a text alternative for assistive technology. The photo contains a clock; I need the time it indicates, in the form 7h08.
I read 2h05
